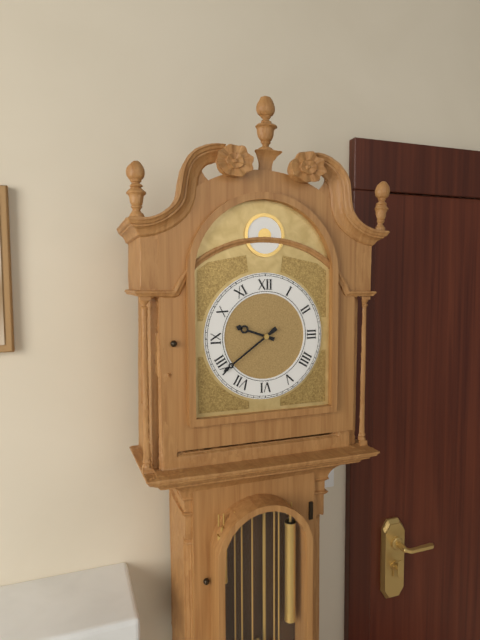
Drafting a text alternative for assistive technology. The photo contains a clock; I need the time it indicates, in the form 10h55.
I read 9h39
